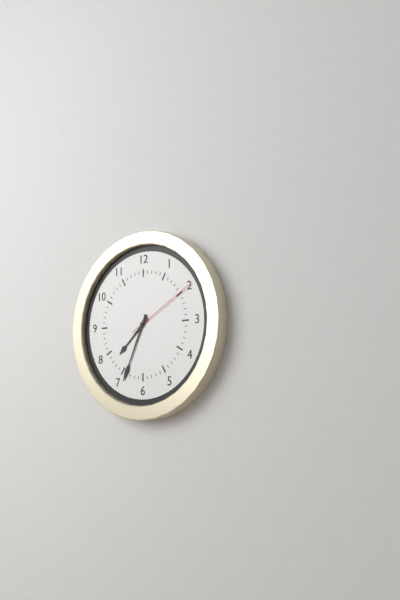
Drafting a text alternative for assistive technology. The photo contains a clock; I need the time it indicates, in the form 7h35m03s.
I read 7h34m10s
